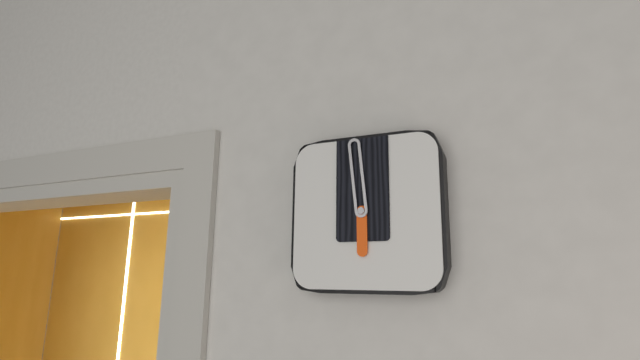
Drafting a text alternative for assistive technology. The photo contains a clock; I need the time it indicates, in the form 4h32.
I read 5h59
